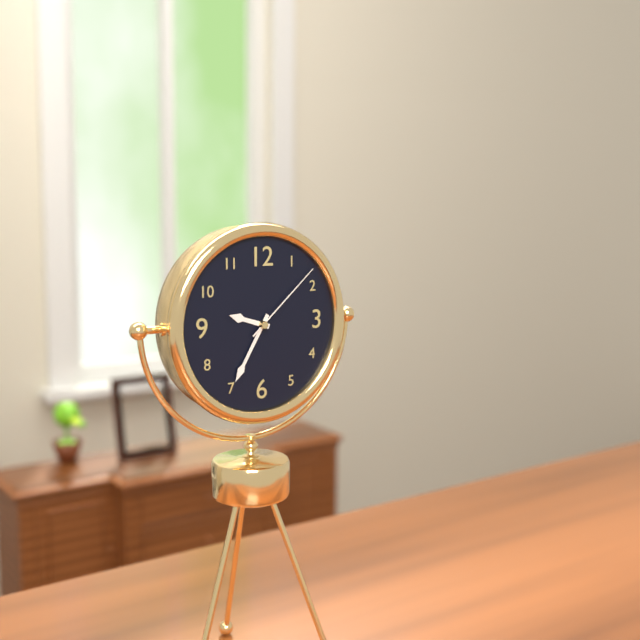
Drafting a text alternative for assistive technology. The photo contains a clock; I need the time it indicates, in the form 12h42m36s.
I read 9h35m08s
